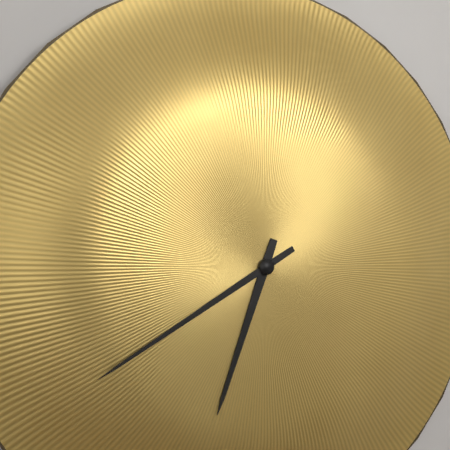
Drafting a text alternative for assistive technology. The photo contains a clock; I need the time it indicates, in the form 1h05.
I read 6h40
